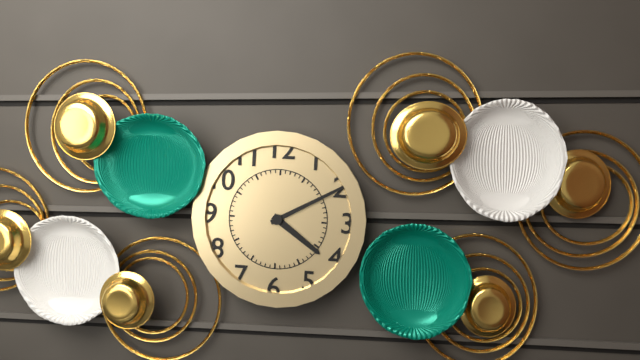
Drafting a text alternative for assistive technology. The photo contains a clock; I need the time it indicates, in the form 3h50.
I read 4h10
